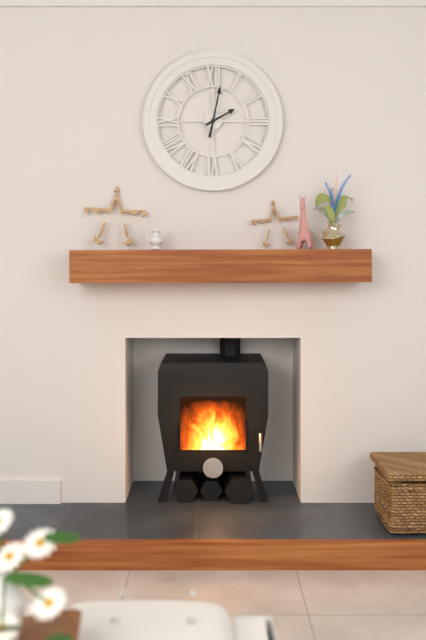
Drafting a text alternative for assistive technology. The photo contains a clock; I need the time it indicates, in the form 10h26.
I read 2h02
